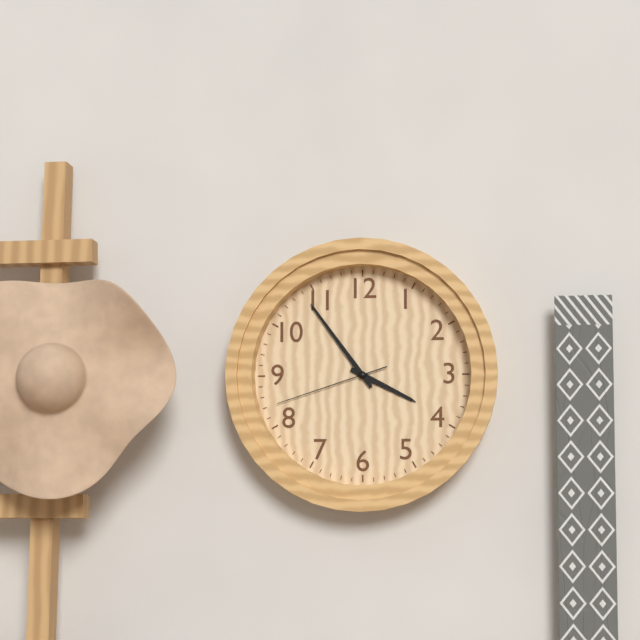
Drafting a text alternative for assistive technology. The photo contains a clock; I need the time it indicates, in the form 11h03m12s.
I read 3h54m42s
